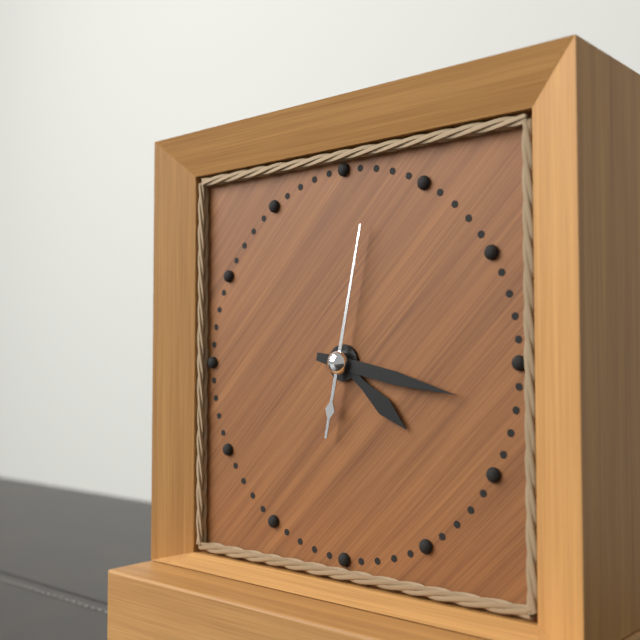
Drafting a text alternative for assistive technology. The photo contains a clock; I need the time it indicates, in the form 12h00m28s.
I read 4h17m02s
